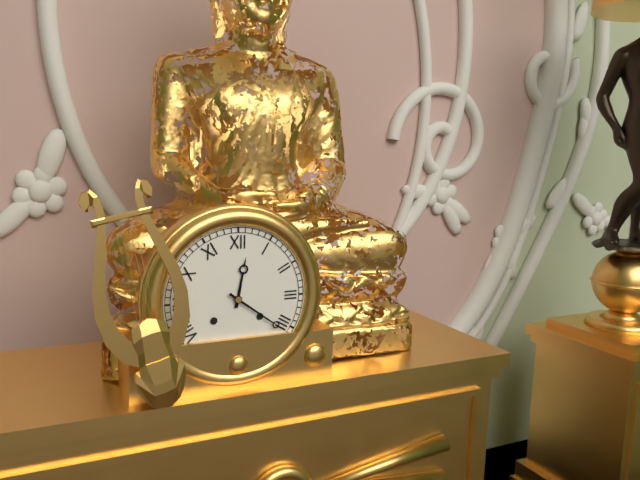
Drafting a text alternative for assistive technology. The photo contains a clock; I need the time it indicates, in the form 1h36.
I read 12h21
